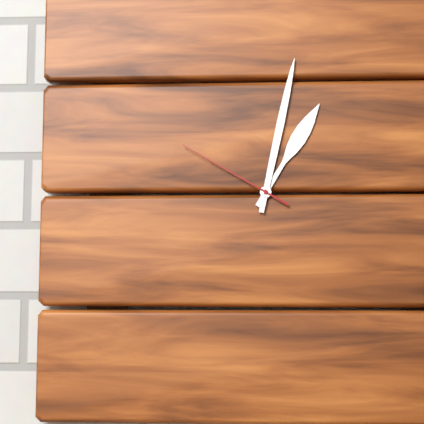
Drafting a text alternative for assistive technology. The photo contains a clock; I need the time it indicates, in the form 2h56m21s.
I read 1h02m50s
